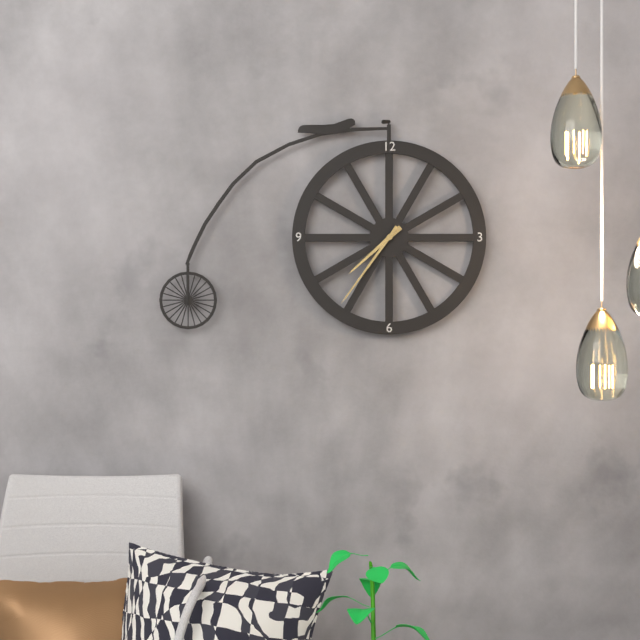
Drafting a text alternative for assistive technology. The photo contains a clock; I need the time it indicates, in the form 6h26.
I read 7h36
